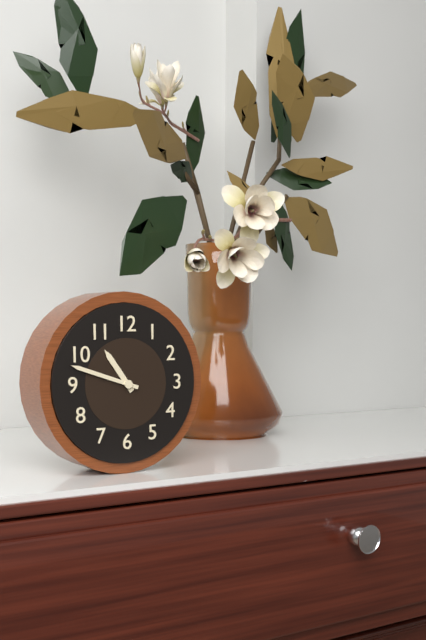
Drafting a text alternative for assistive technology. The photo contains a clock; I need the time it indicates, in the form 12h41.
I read 10h48
